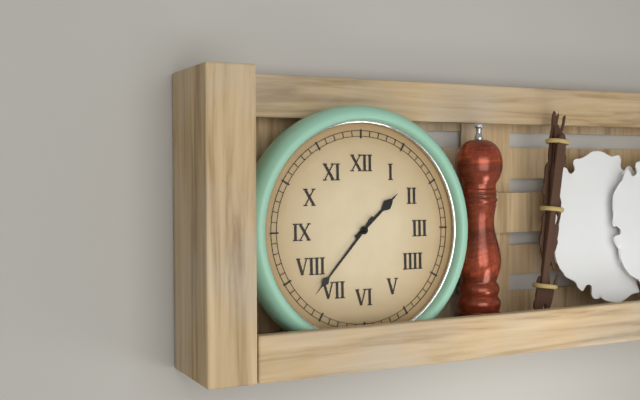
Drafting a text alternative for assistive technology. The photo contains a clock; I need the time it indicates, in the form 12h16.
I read 1h37
